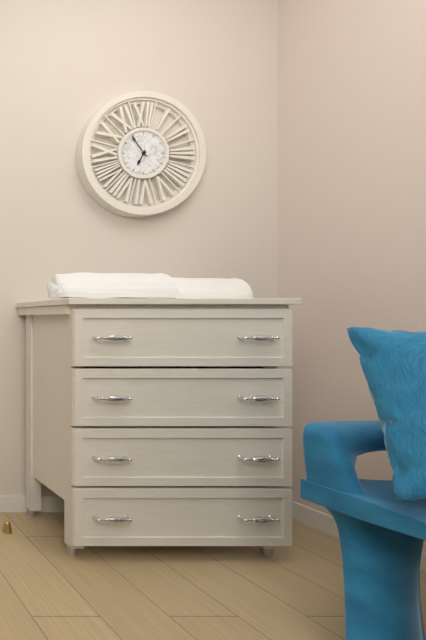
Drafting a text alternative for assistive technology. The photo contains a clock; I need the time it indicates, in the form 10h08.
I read 6h54
